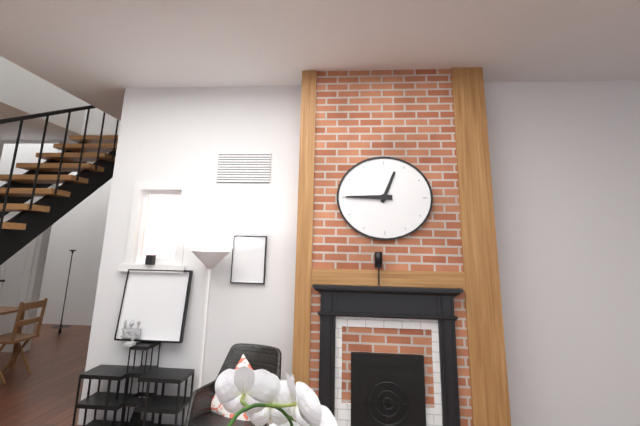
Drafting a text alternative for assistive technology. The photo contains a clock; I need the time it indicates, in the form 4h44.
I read 12h45
